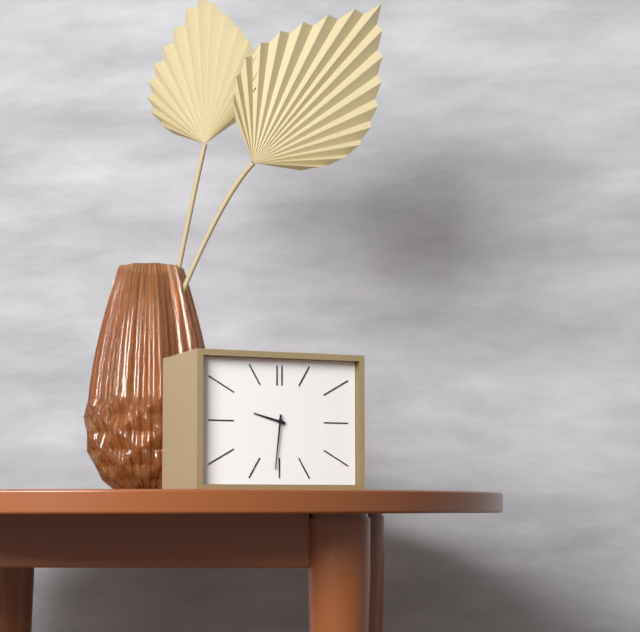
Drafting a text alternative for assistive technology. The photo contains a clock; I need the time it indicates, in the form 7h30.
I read 9h31
